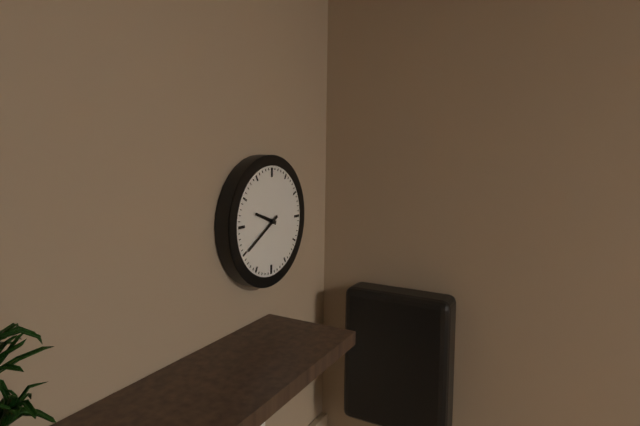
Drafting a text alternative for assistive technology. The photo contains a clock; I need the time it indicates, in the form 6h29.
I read 9h40
